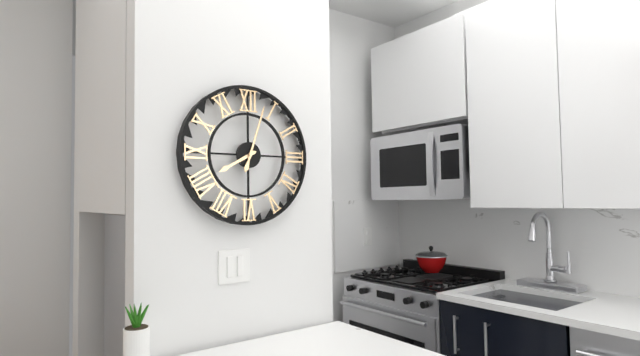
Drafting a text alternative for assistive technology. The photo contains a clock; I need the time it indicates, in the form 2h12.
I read 8h03
